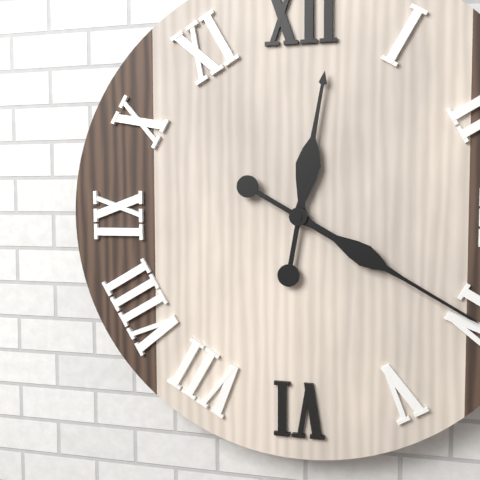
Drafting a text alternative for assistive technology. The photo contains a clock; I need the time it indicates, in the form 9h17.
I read 12h20
